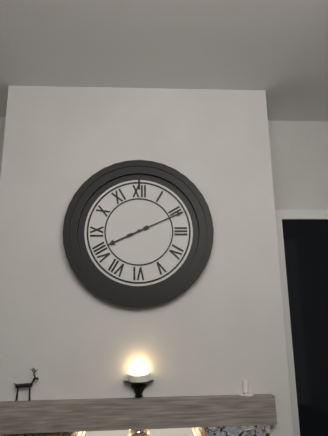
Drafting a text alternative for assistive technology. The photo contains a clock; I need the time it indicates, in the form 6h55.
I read 8h11
